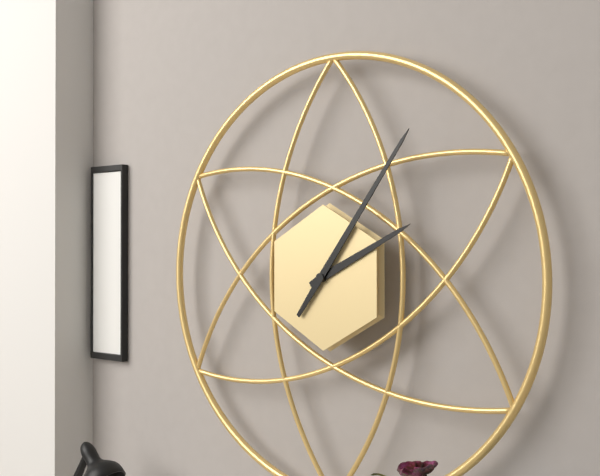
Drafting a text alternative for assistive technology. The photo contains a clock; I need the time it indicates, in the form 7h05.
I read 2h06
